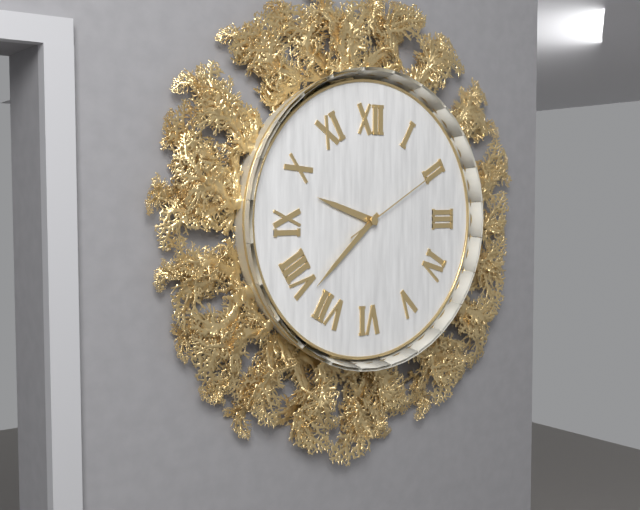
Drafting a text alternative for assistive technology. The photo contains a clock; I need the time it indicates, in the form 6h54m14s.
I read 9h38m10s
